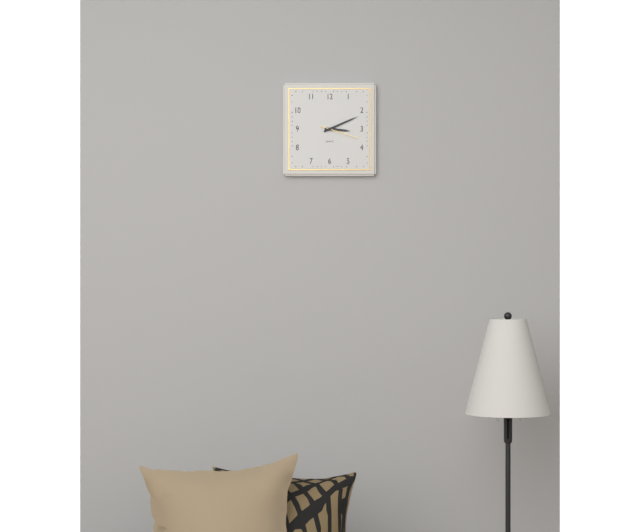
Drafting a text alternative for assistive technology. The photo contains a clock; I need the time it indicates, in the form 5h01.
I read 3h11
